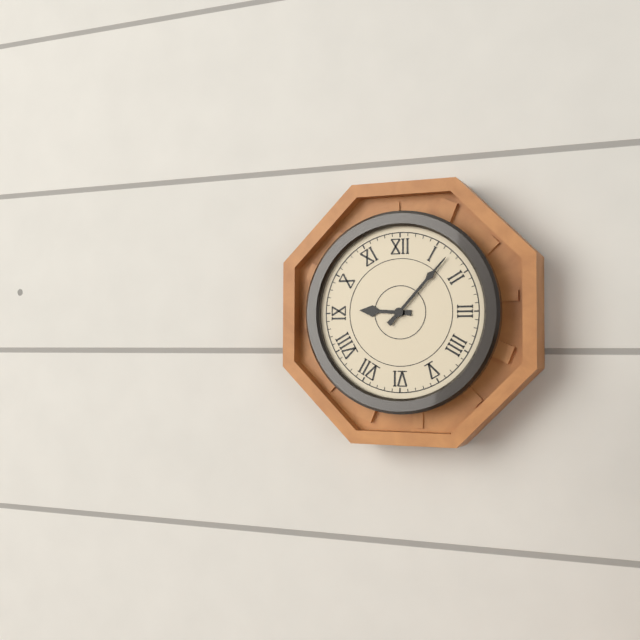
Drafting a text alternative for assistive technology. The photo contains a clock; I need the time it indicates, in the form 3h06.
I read 9h07
